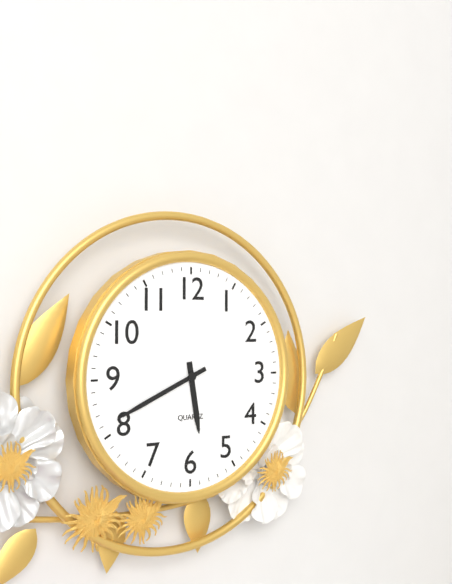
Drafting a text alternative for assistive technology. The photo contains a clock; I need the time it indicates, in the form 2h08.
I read 5h41
